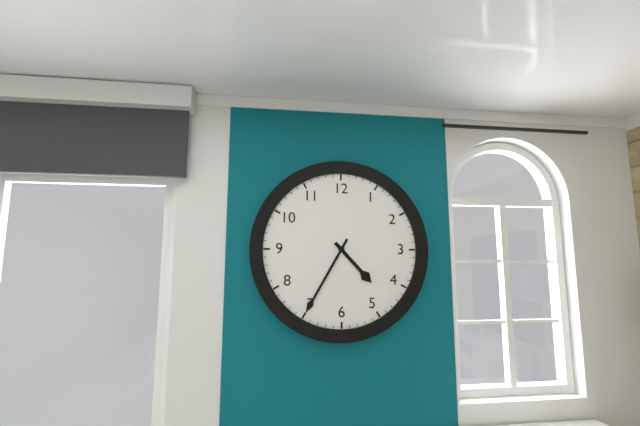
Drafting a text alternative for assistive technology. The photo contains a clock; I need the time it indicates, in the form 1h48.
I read 4h35
